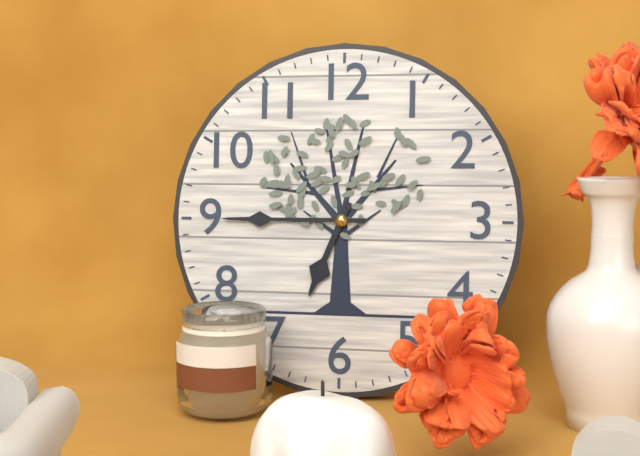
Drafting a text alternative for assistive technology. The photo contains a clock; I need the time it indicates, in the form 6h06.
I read 6h45
